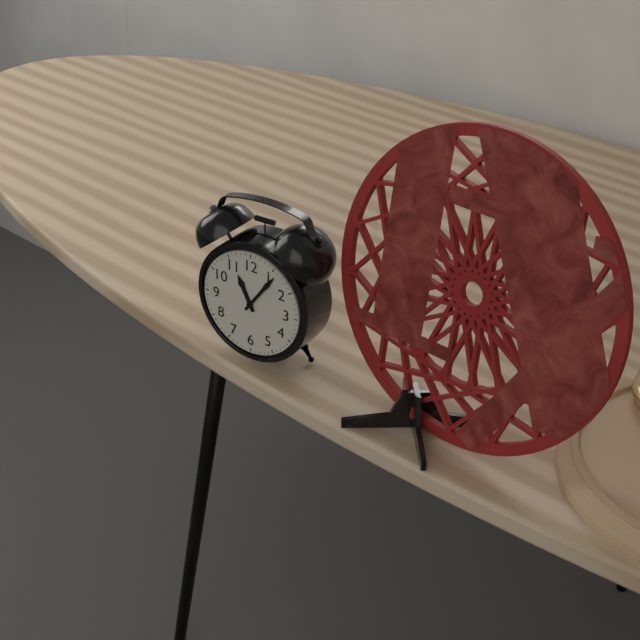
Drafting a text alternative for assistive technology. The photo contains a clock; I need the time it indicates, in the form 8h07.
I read 11h06
